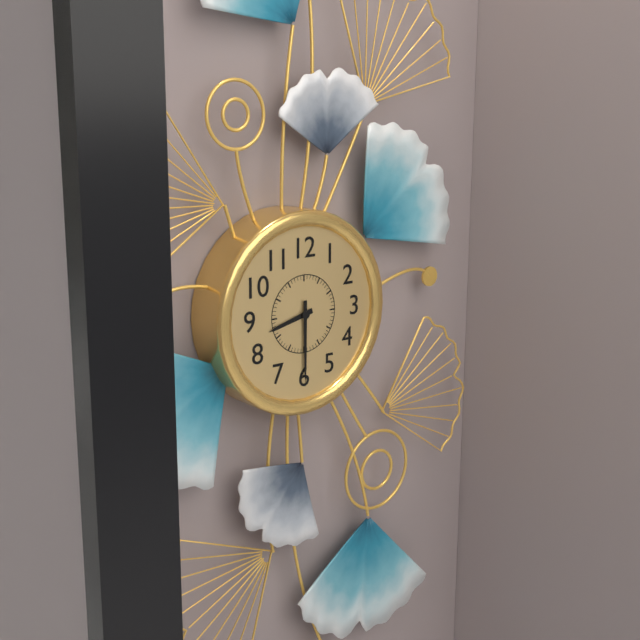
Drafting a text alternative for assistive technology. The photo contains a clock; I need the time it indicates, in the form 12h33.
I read 8h30
